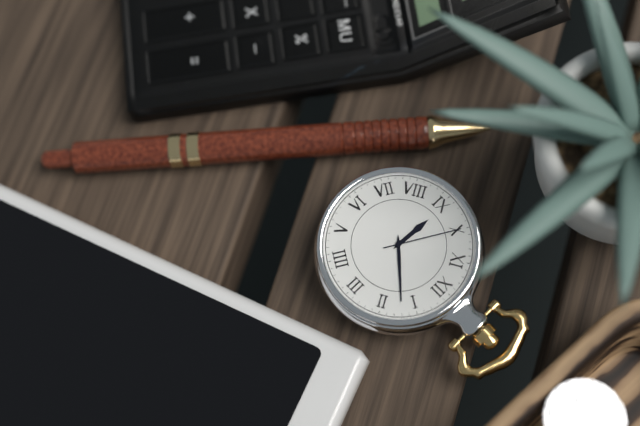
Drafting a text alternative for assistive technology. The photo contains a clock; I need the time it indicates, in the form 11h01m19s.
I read 9h07m50s
